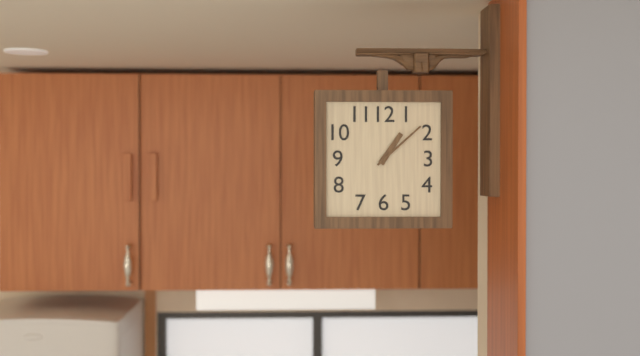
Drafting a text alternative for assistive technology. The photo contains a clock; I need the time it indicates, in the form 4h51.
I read 1h08
